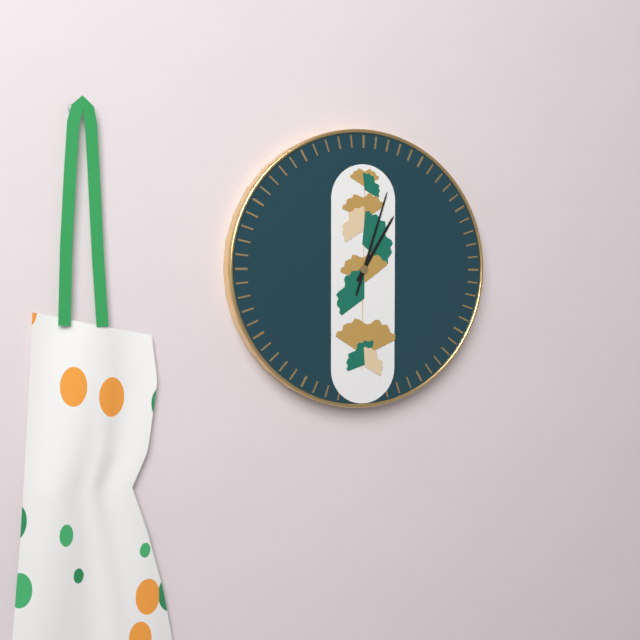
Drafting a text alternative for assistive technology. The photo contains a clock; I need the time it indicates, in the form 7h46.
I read 1h03
